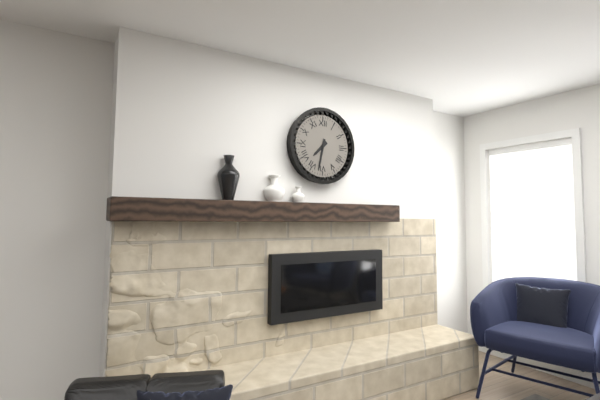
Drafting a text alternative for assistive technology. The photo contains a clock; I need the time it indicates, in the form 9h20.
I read 7h32
